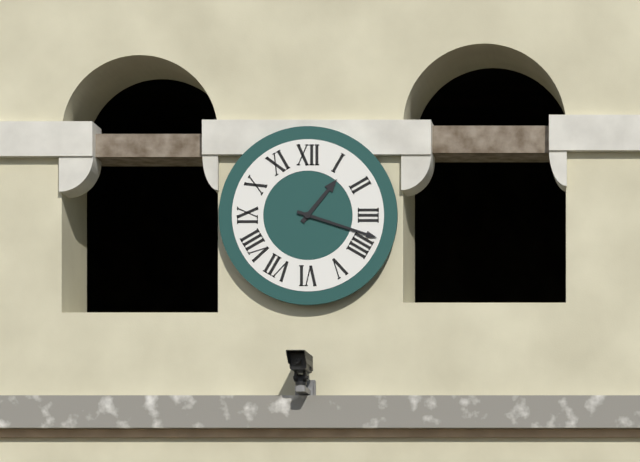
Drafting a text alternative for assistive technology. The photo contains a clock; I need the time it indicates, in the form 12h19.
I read 1h18
